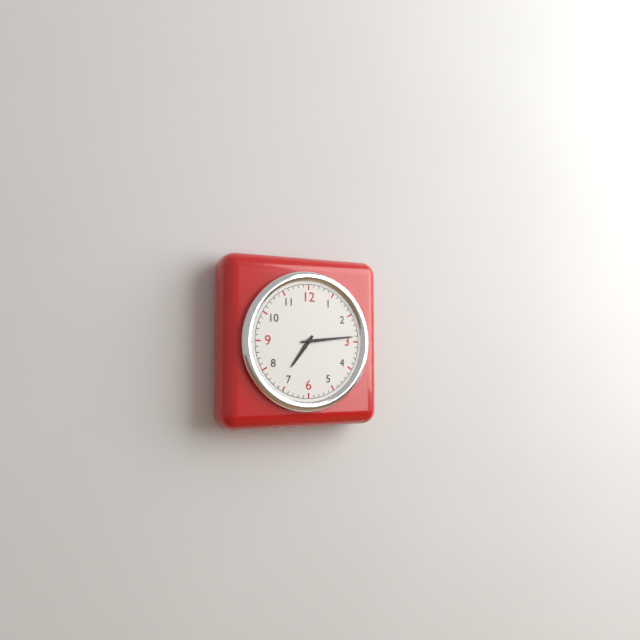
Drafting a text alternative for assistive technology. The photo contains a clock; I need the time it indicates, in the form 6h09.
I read 7h14
